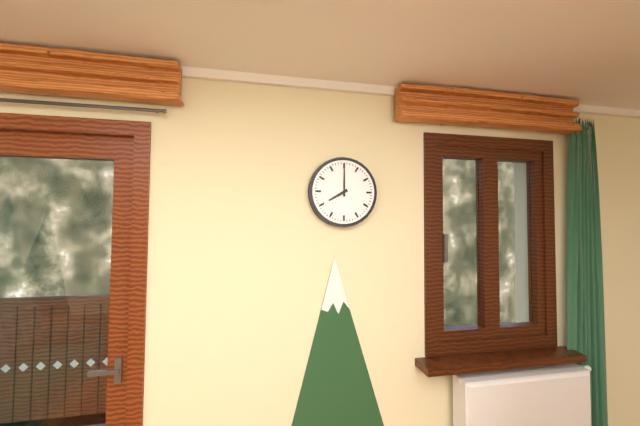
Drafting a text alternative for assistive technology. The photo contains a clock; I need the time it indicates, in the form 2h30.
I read 8h00
